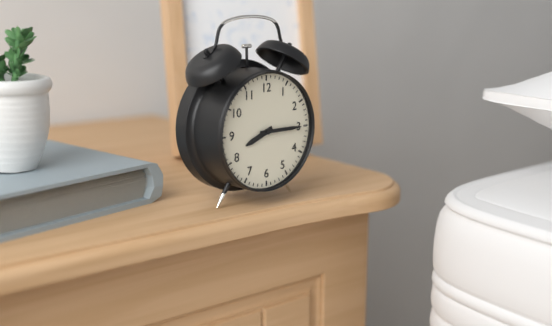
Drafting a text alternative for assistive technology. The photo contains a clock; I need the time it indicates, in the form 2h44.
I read 8h15
